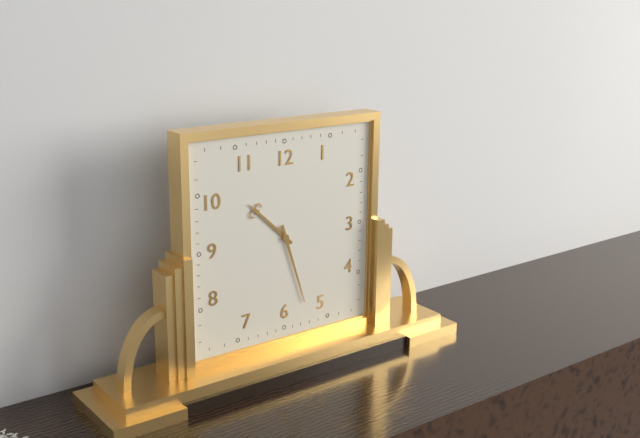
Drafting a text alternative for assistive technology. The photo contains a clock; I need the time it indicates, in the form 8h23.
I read 10h27
